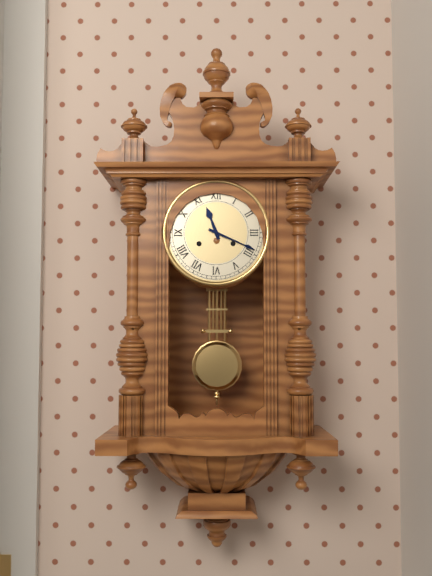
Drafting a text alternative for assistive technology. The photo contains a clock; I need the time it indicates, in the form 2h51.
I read 11h19
